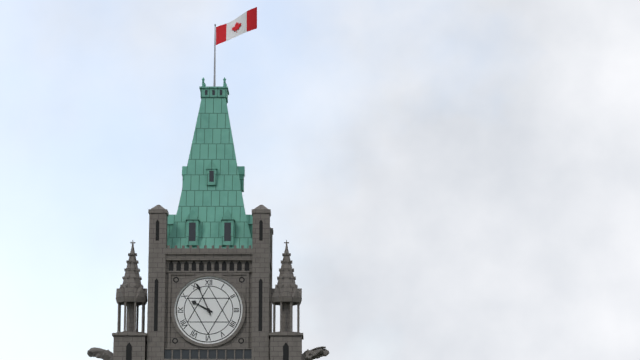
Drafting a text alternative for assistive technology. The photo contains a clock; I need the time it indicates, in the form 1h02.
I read 9h56
